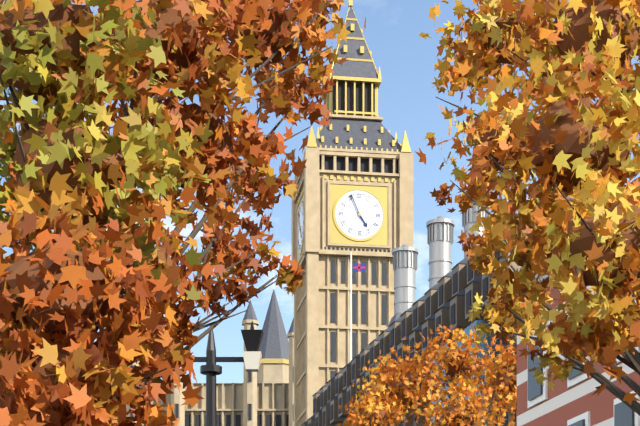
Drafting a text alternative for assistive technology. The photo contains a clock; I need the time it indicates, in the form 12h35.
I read 4h56
